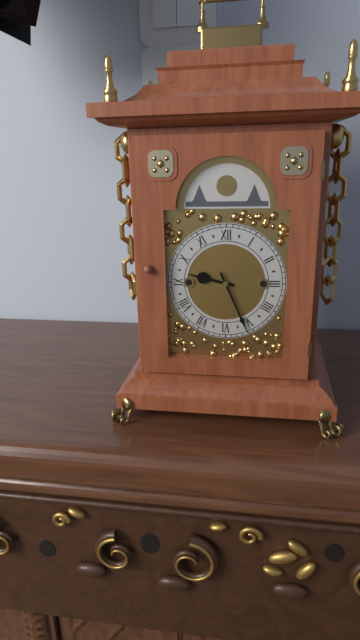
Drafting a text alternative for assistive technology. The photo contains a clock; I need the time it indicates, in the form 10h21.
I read 9h26
